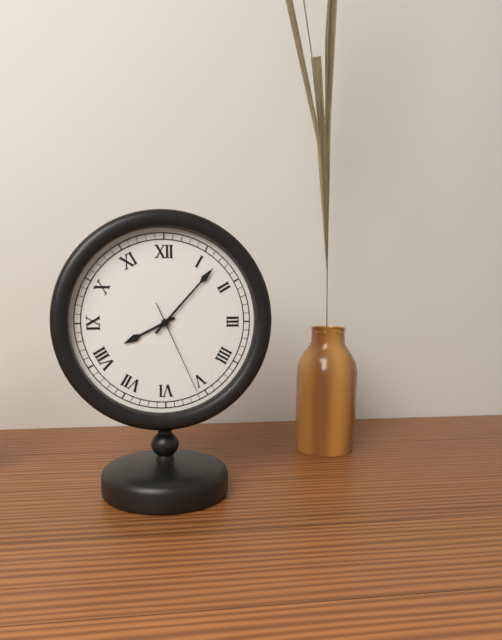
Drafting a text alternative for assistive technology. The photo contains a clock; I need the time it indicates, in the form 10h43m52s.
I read 8h07m26s
